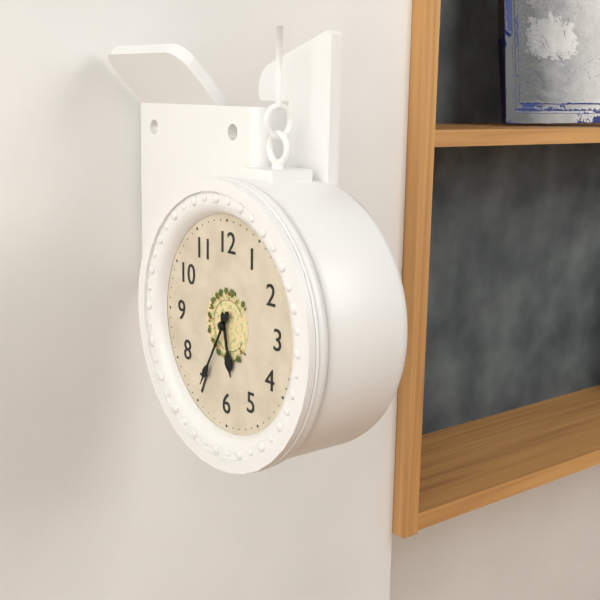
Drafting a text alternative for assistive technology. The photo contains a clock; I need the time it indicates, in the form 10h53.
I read 5h35
